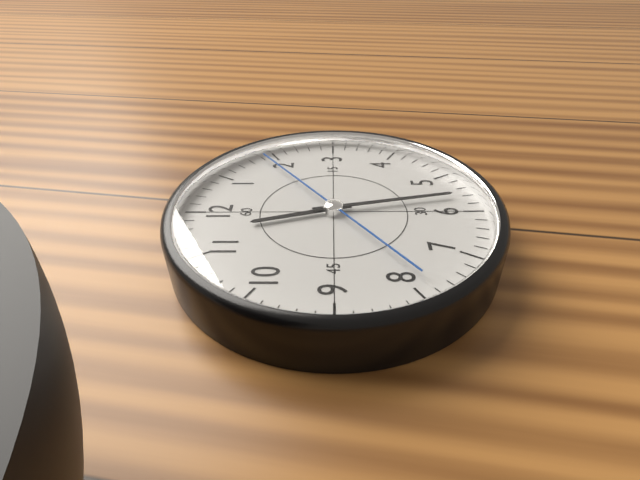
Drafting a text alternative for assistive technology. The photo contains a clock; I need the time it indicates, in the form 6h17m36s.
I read 11h28m09s
